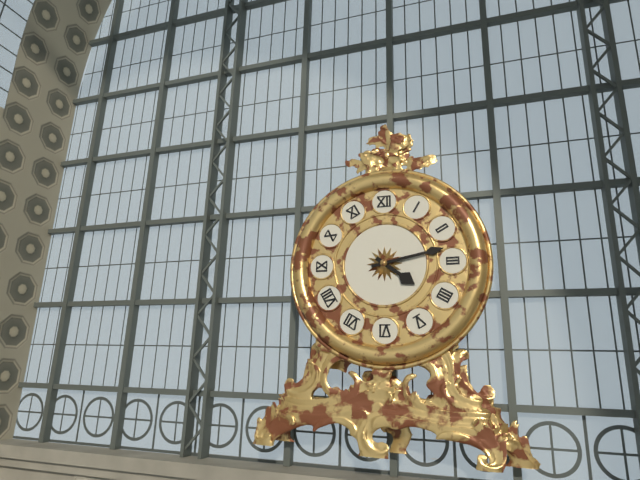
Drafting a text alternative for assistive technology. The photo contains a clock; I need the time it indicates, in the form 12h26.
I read 4h13
